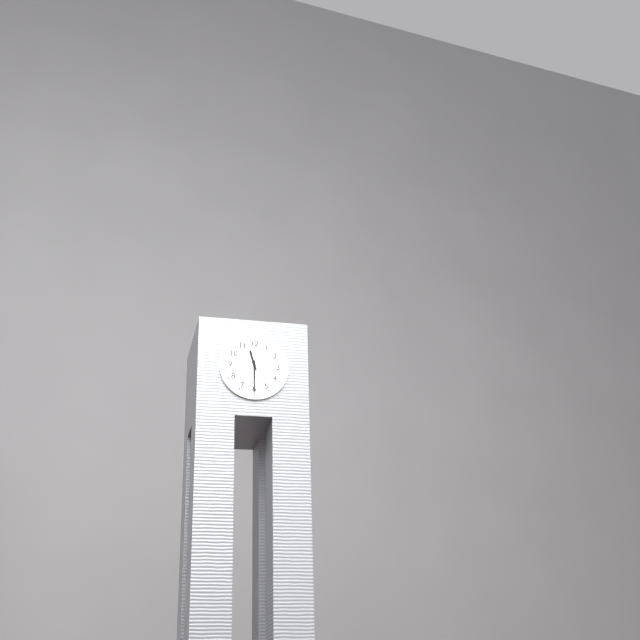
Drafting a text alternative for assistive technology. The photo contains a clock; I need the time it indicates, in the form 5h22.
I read 11h30
